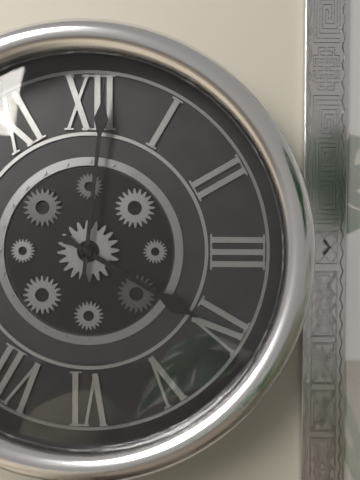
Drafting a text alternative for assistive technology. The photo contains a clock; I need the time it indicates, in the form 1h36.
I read 4h01
